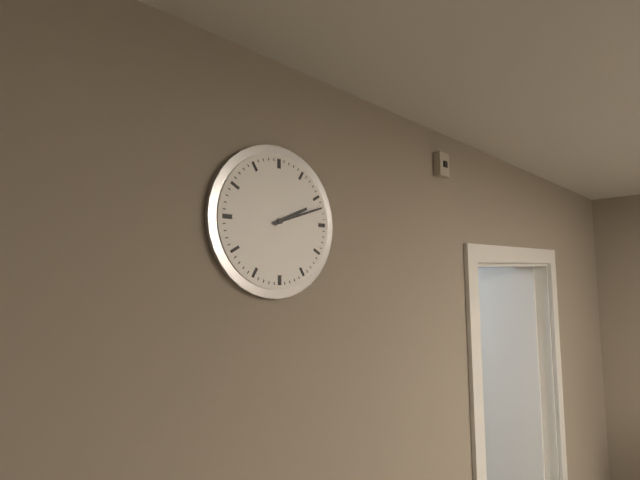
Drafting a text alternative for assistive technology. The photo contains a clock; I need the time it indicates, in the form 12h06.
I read 2h12
